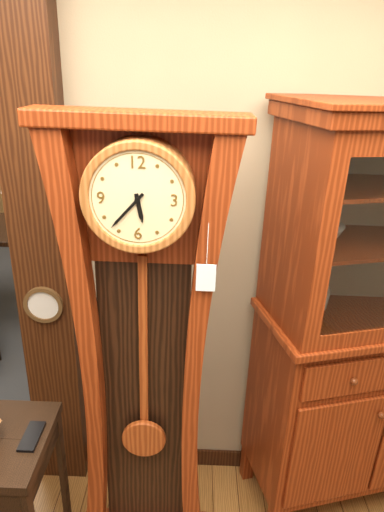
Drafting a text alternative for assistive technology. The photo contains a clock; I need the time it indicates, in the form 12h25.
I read 5h37
